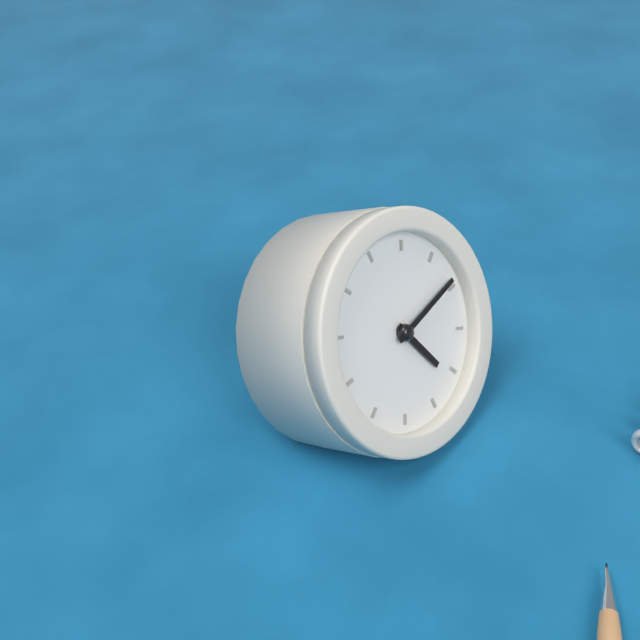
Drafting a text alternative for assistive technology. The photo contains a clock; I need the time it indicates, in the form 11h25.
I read 5h14
